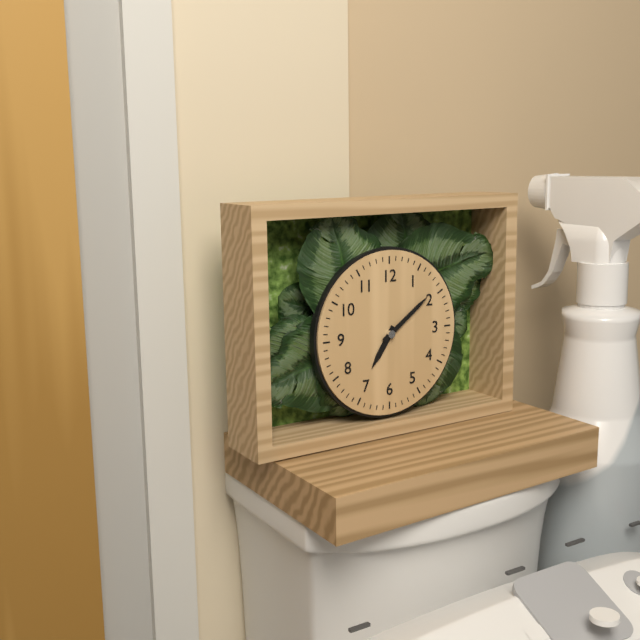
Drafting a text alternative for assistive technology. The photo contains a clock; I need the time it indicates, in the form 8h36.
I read 7h09
